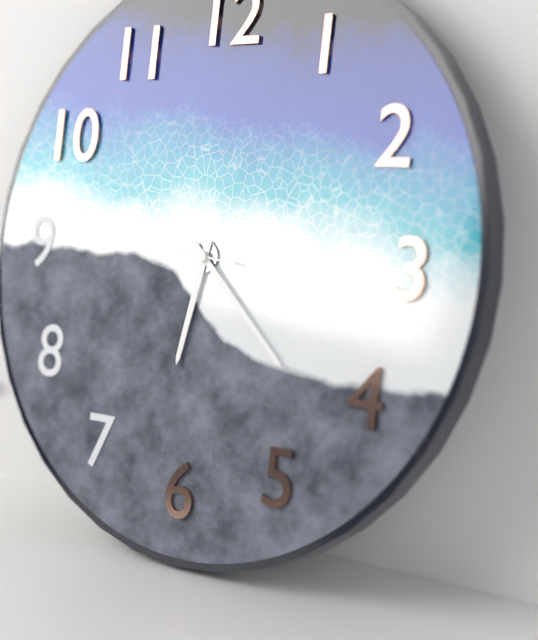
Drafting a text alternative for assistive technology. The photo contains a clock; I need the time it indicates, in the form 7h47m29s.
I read 6h22m46s
